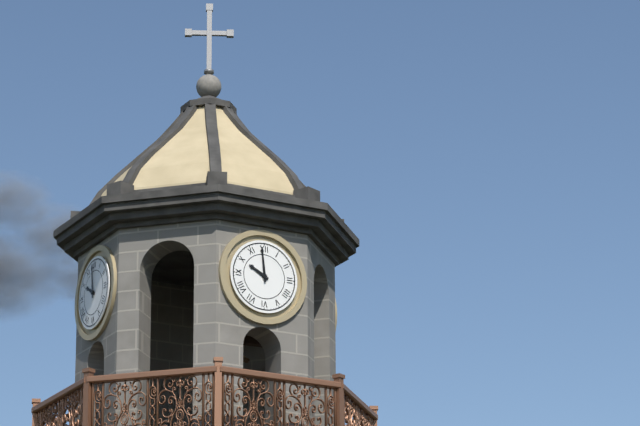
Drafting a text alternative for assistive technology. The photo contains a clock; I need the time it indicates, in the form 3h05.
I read 9h59
